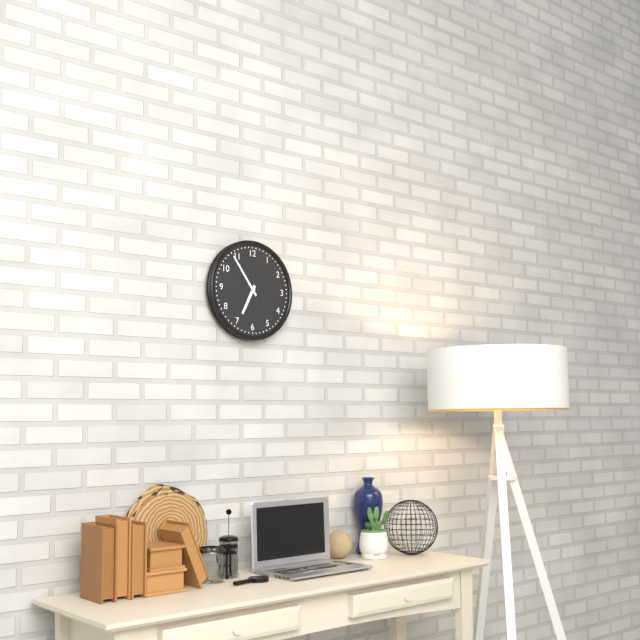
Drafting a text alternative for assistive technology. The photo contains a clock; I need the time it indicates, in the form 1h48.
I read 6h54
